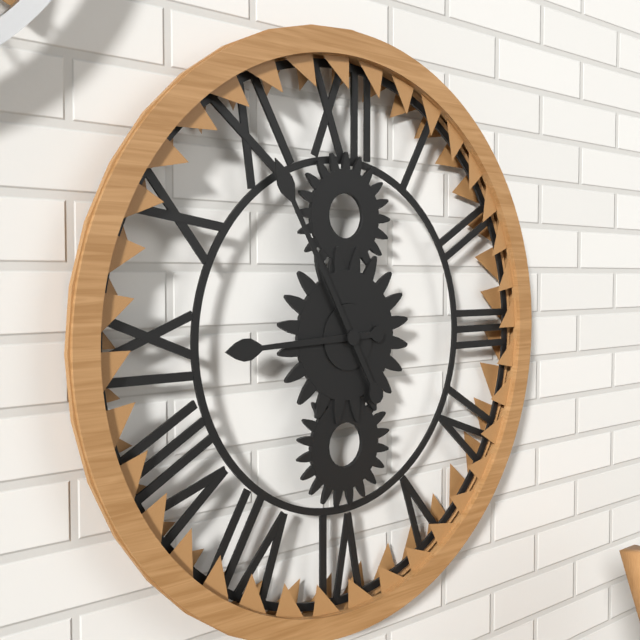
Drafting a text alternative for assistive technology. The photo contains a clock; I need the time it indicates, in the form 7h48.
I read 8h55
